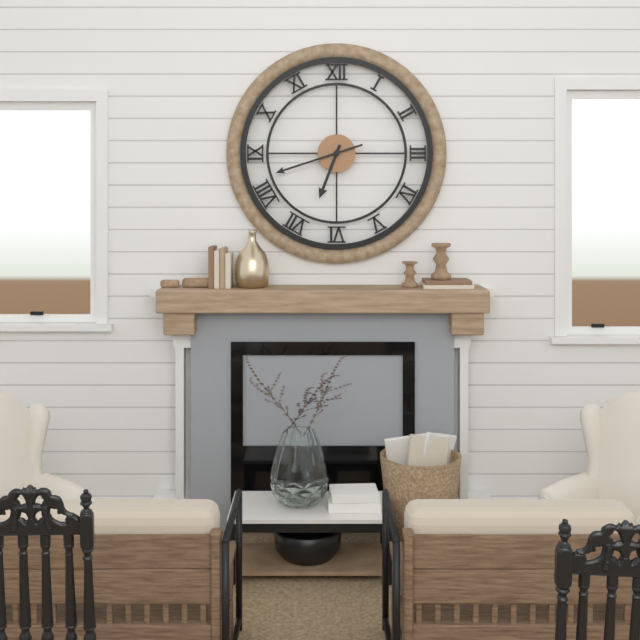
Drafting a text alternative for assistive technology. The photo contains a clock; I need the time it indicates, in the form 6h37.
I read 6h42
